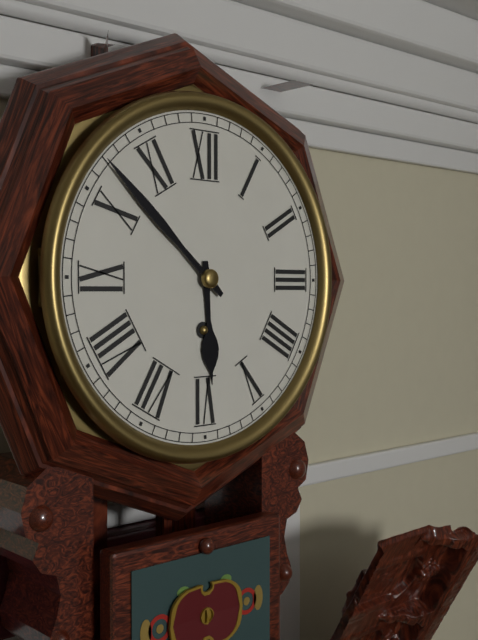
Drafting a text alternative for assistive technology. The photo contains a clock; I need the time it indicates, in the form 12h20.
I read 5h52
